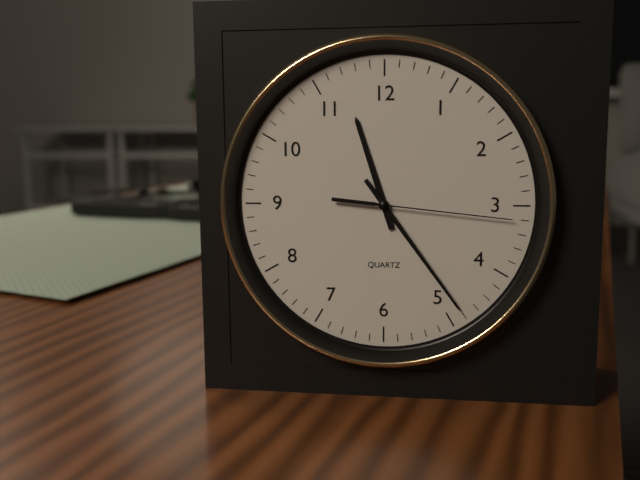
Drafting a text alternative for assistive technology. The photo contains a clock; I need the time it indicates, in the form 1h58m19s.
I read 11h24m16s
